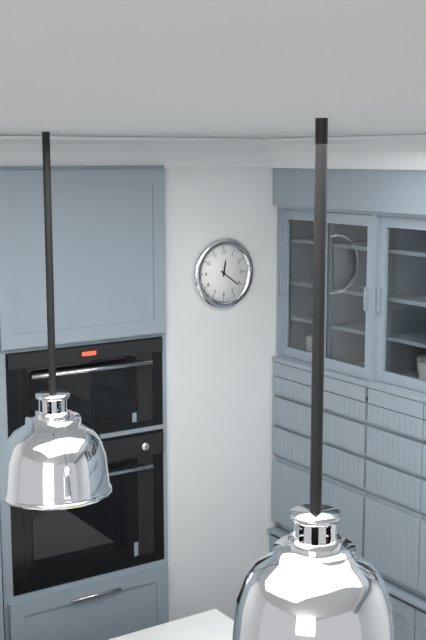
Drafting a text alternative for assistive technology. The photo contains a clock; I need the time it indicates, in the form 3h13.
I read 12h21
